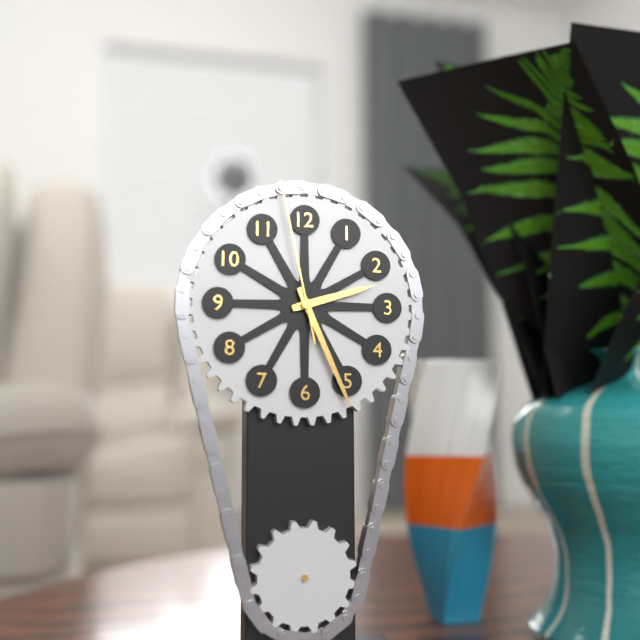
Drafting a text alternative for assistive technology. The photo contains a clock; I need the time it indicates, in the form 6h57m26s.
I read 2h26m58s
